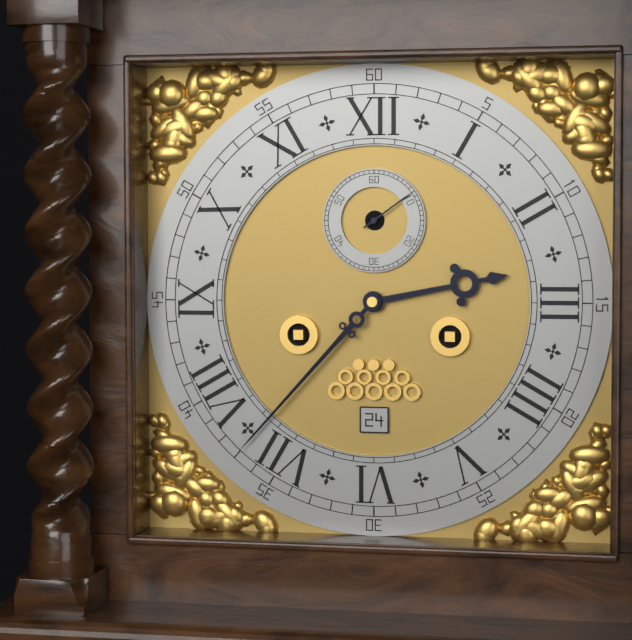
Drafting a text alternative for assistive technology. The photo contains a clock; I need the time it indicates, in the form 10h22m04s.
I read 2h37m09s
